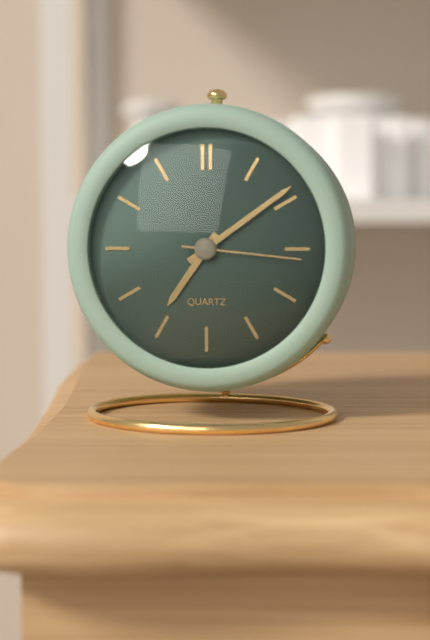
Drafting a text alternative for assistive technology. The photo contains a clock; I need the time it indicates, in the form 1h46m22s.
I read 7h09m16s
